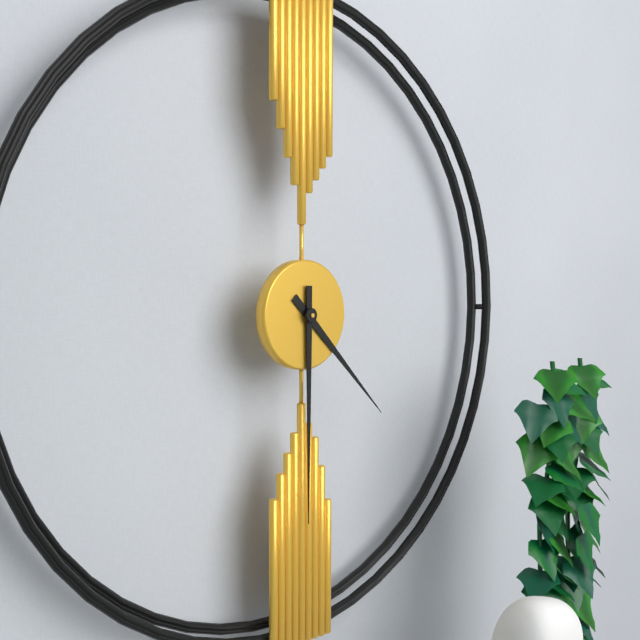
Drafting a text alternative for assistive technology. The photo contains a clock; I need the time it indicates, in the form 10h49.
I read 4h30
